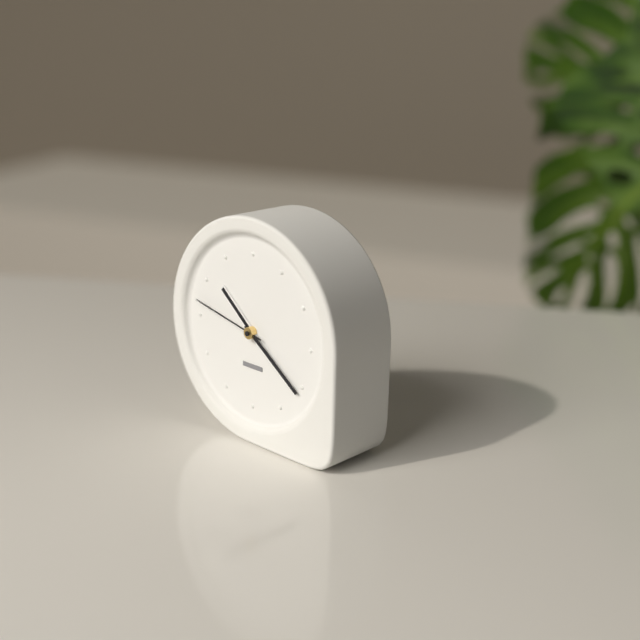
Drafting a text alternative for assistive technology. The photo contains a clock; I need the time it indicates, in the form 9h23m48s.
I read 10h21m47s
